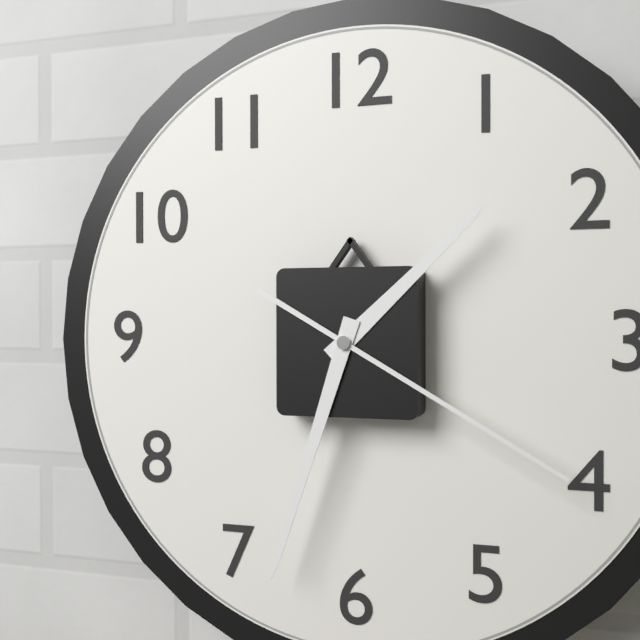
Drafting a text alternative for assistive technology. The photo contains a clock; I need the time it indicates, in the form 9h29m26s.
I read 1h33m20s
